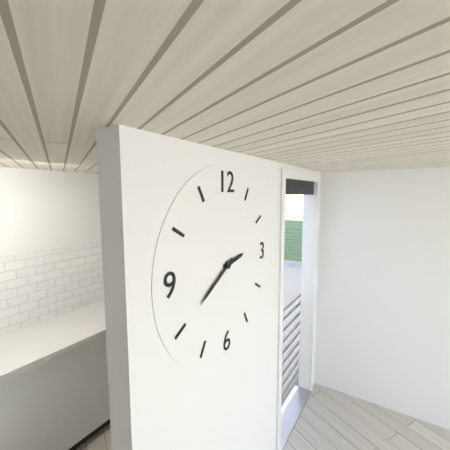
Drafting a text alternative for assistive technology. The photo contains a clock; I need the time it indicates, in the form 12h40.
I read 2h40
